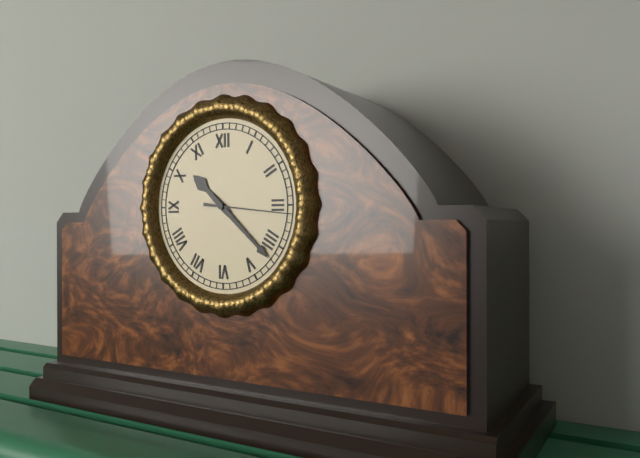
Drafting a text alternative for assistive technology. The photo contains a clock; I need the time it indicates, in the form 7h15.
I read 10h22
